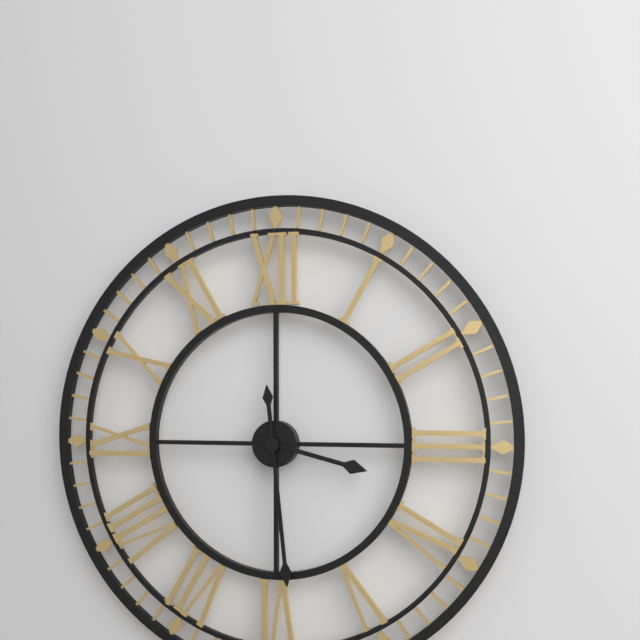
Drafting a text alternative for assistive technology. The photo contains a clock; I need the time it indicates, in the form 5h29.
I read 3h29
